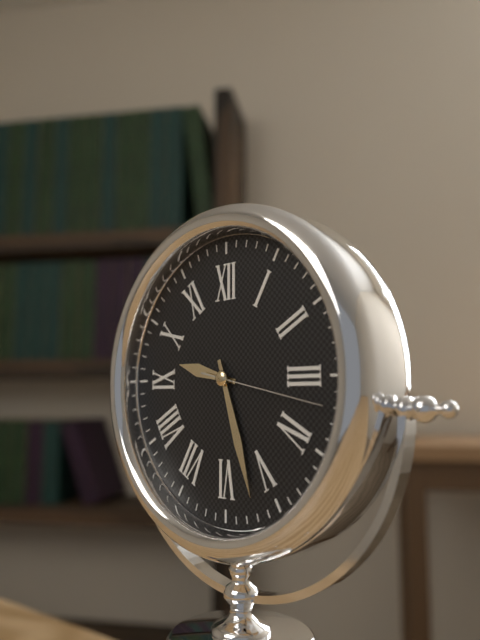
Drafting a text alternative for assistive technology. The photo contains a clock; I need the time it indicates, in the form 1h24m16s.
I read 9h27m17s
